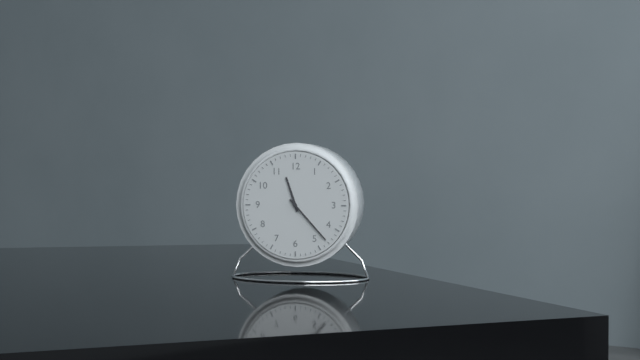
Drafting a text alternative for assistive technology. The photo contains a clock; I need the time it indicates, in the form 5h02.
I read 11h23
